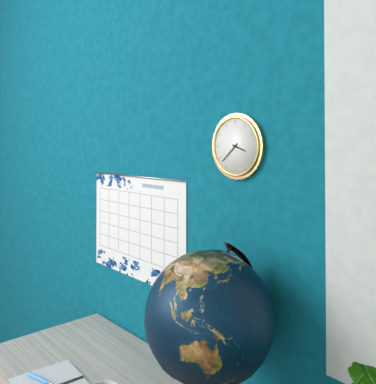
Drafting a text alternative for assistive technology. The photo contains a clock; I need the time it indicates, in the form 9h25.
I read 3h38
